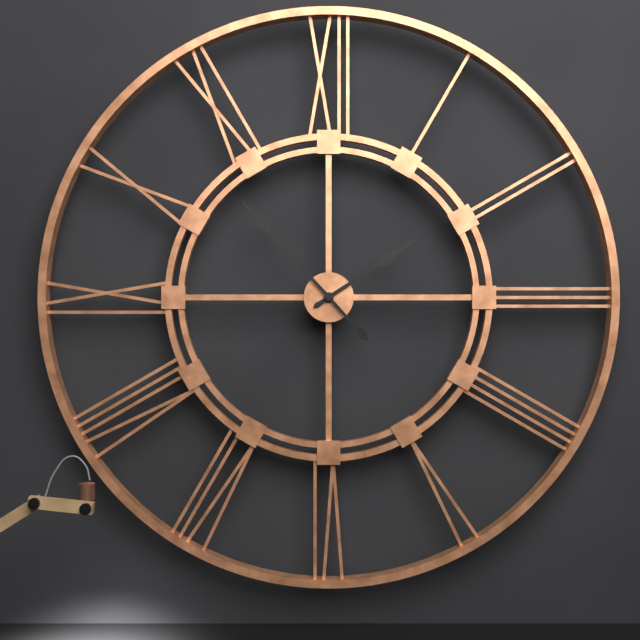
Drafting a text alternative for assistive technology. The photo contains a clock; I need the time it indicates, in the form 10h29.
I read 1h53
